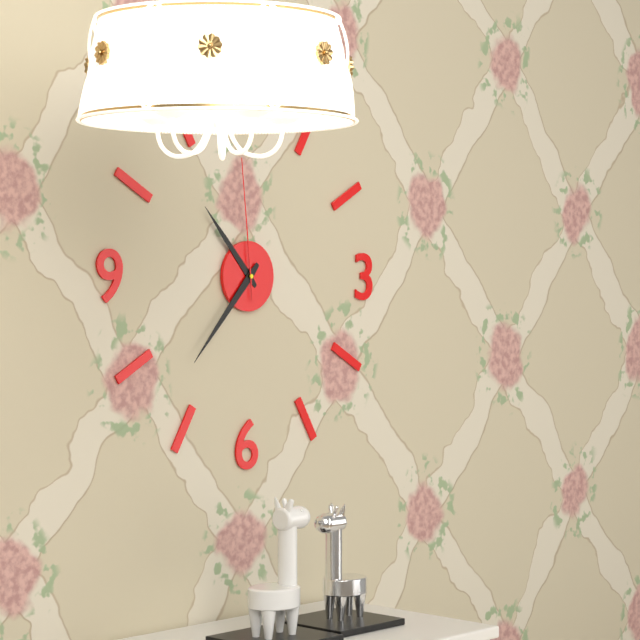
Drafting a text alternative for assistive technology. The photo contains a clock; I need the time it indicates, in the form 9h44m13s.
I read 10h37m59s
